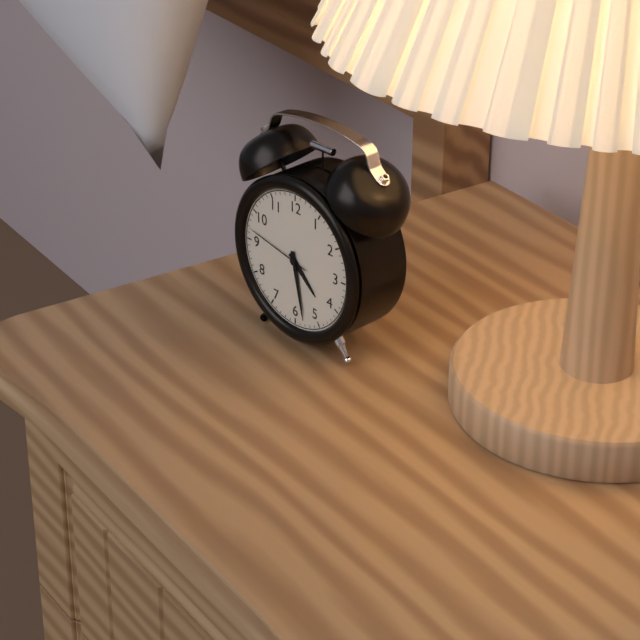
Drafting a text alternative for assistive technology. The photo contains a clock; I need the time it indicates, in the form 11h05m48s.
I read 4h28m47s
